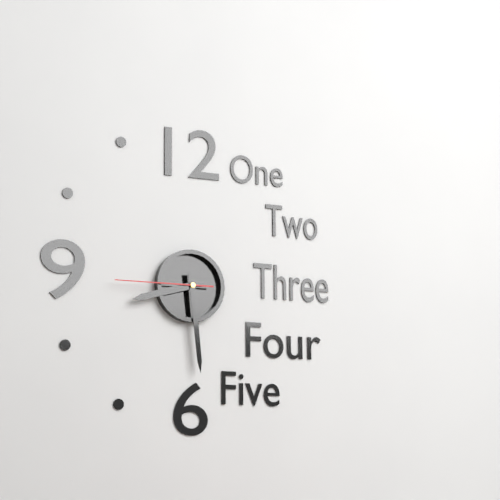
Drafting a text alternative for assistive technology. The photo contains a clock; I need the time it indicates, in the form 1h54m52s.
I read 8h29m45s
